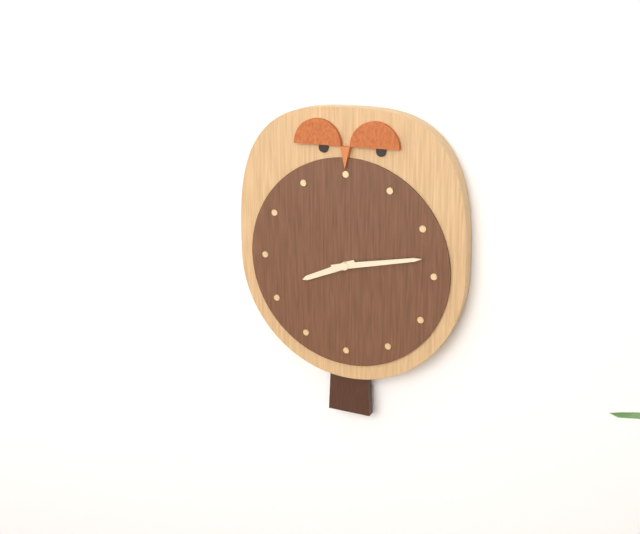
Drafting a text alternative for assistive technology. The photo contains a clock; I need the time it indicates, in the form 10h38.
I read 8h13
